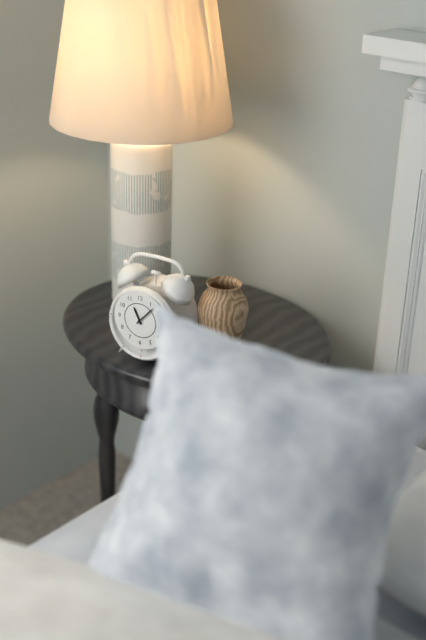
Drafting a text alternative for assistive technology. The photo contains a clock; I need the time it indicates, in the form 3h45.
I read 11h07
